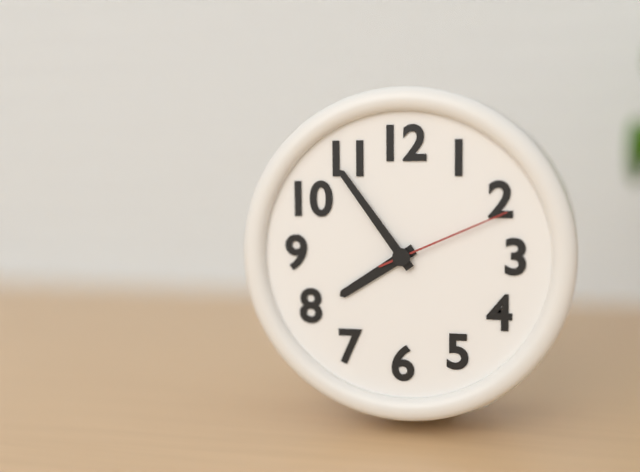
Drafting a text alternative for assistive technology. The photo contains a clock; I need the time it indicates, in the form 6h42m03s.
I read 7h54m11s
